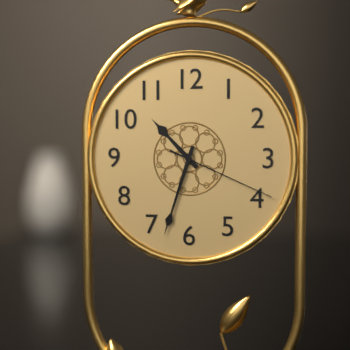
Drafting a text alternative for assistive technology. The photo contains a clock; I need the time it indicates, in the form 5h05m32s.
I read 10h33m19s
